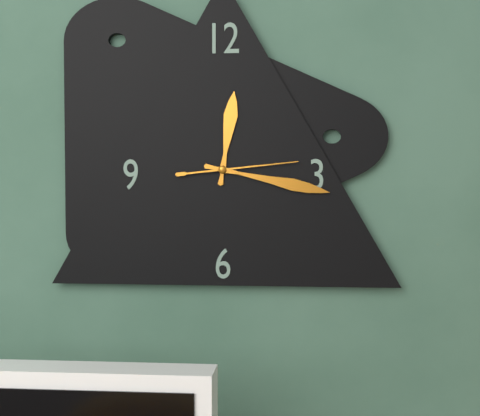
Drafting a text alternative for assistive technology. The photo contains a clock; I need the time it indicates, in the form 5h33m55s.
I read 12h17m14s
